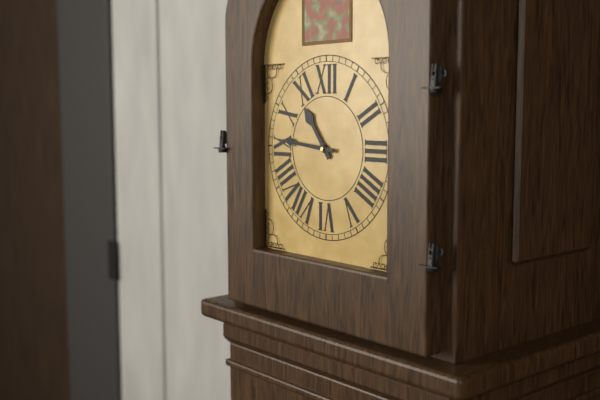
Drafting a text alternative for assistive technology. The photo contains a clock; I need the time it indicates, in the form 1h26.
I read 10h46
